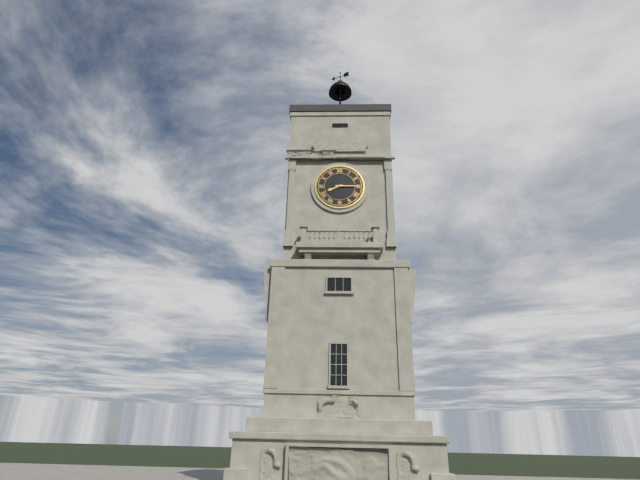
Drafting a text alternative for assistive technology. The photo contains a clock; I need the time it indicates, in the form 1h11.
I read 8h15
